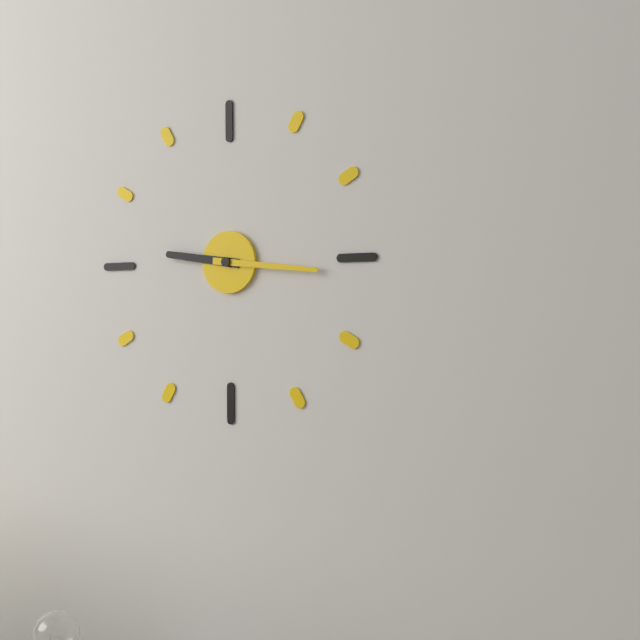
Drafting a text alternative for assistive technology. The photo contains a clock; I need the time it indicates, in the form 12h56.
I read 9h16
